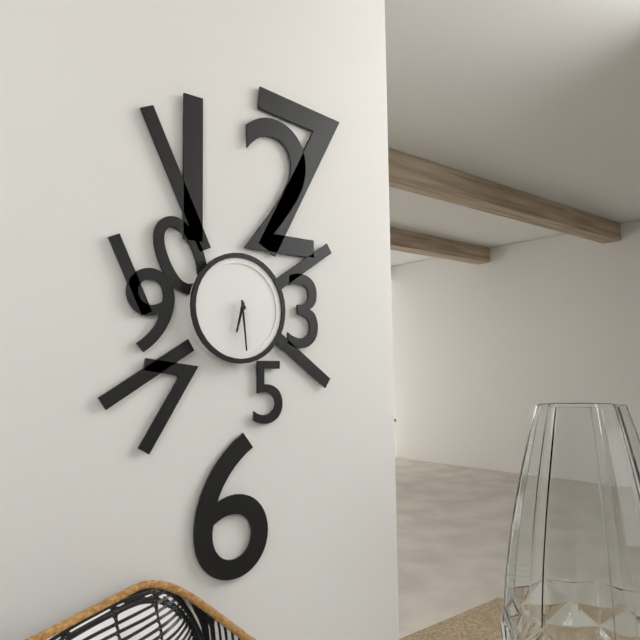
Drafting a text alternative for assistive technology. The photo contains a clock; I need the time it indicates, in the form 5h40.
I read 6h29
